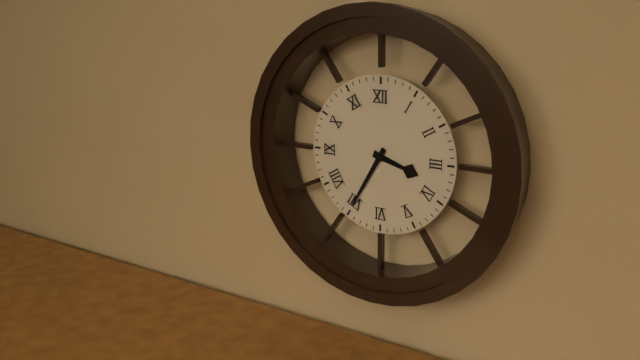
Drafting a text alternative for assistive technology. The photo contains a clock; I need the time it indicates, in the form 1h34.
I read 3h35
